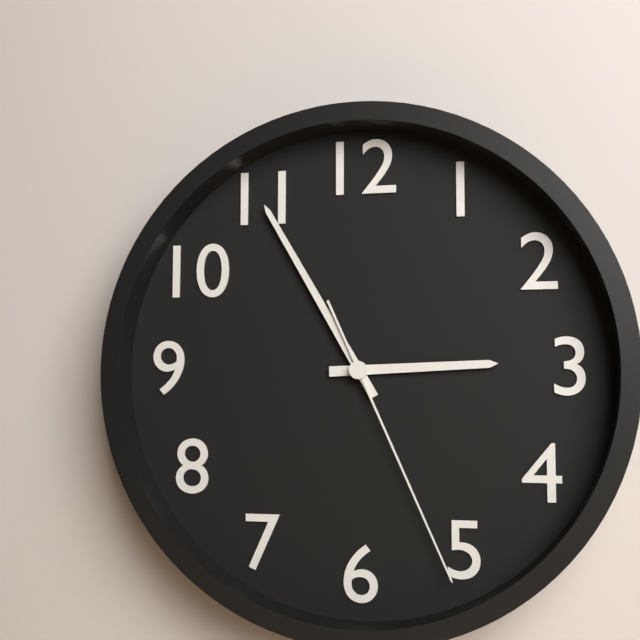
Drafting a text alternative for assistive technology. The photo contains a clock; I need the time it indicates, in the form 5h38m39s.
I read 2h55m26s
